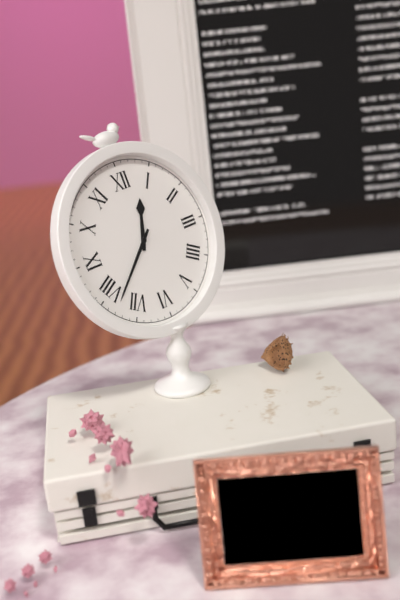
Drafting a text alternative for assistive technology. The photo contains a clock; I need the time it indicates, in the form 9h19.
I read 12h38
